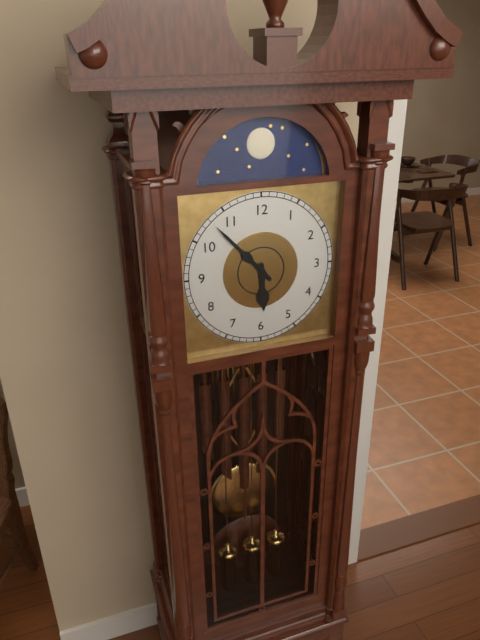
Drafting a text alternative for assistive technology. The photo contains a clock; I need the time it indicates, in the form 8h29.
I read 5h53
